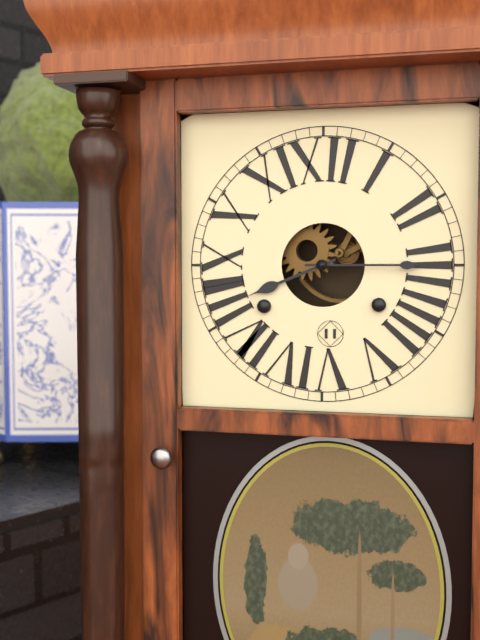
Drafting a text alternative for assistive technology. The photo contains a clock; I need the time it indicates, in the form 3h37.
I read 8h15
